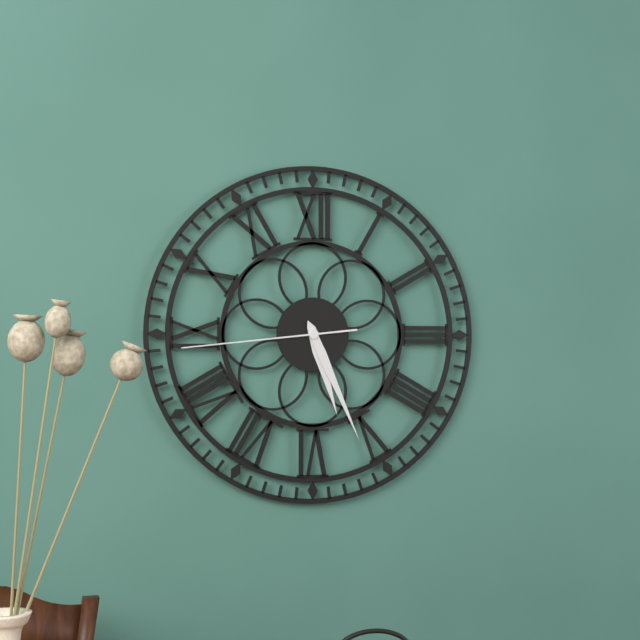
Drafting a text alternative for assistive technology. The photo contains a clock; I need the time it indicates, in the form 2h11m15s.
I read 5h26m44s
